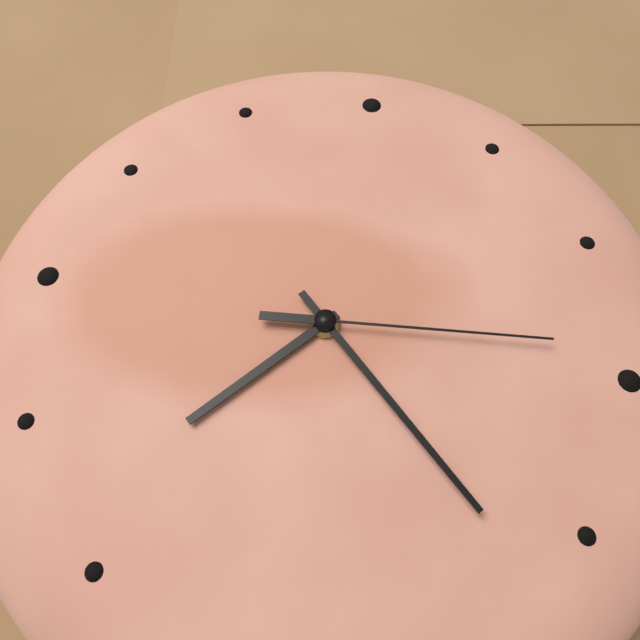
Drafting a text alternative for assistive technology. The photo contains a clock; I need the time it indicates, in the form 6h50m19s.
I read 7h22m14s
